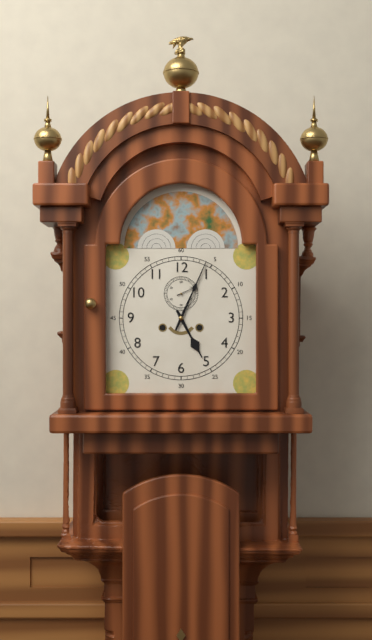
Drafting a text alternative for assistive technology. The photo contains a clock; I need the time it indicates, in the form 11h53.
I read 5h04
